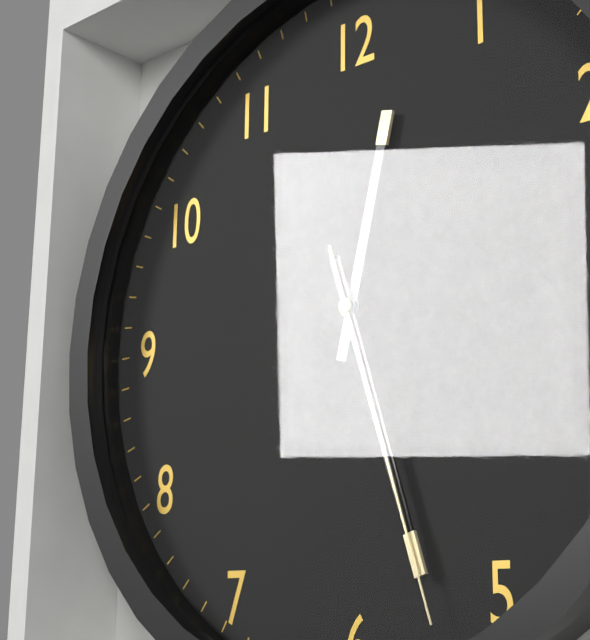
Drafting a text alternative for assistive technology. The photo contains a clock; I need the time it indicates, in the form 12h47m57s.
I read 12h27m27s
